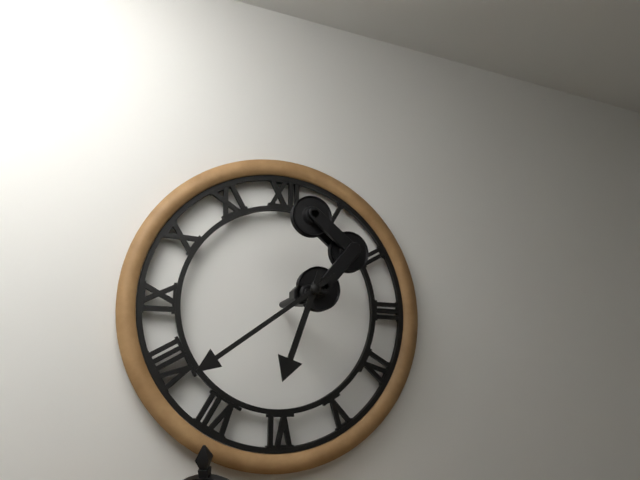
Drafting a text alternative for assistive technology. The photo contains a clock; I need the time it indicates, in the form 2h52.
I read 6h39
